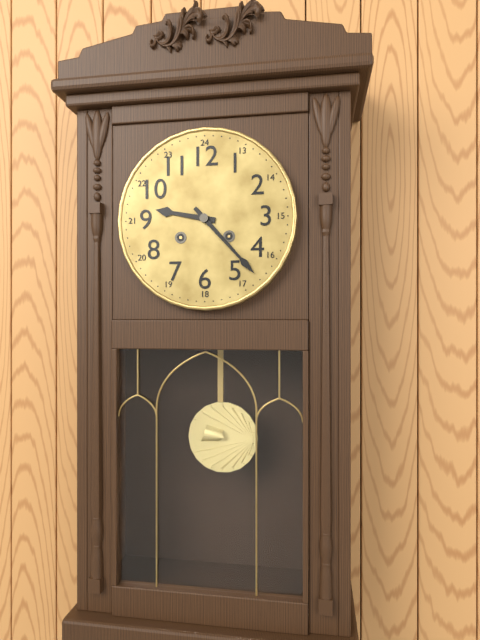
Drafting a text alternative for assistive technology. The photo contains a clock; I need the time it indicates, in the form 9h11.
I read 9h23
